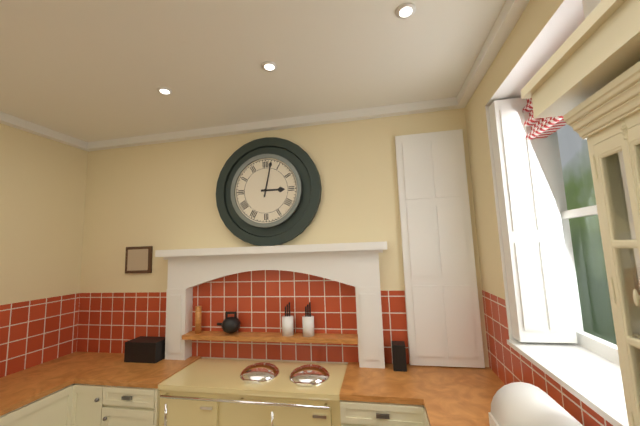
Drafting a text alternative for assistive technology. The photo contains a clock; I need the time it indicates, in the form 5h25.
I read 3h02
